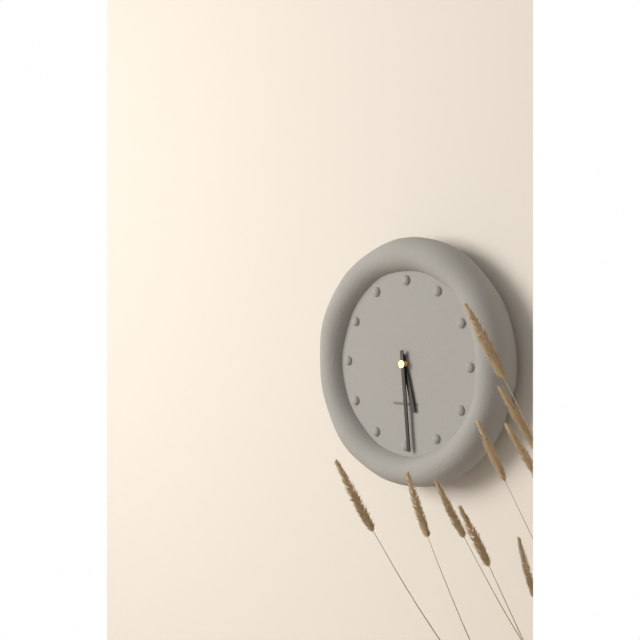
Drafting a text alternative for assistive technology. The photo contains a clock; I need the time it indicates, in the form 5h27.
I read 5h29
